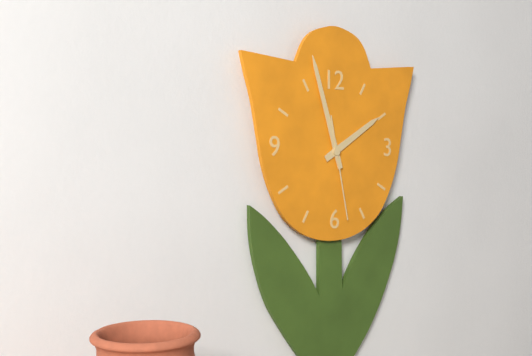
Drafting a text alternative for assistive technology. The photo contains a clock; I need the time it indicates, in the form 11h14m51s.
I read 1h57m28s
